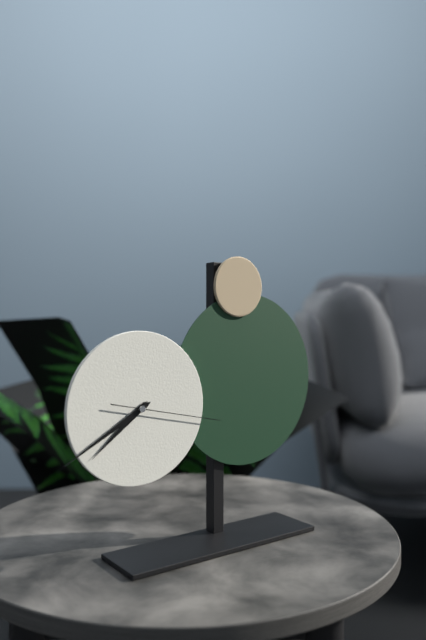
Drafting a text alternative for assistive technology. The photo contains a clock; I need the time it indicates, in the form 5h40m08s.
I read 7h40m17s
